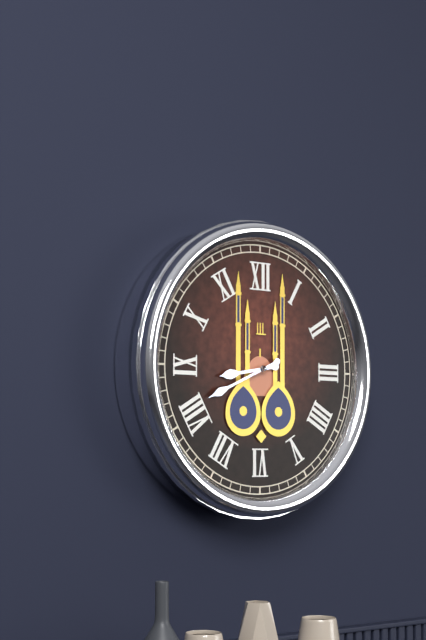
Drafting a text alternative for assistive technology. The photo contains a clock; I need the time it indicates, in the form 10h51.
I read 8h41
